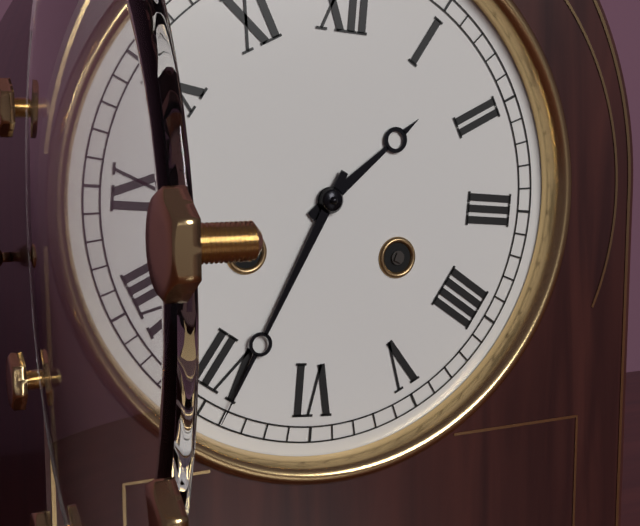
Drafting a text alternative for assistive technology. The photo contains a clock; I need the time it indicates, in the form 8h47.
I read 1h34
